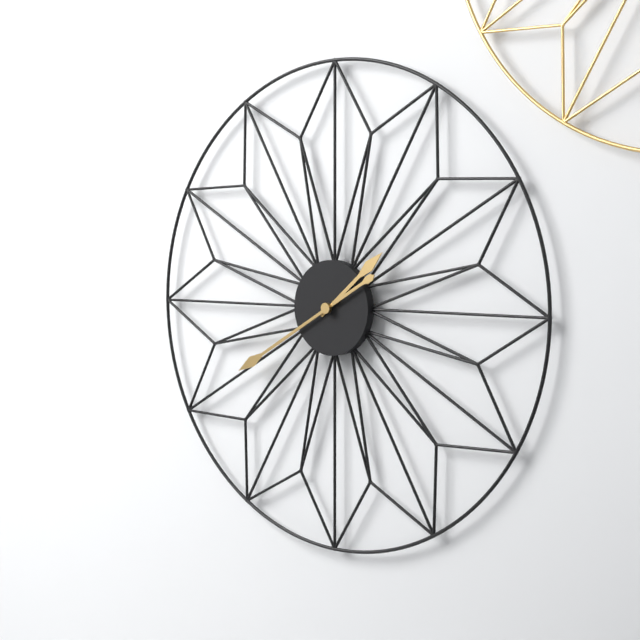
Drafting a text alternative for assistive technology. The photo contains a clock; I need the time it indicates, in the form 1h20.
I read 1h40
